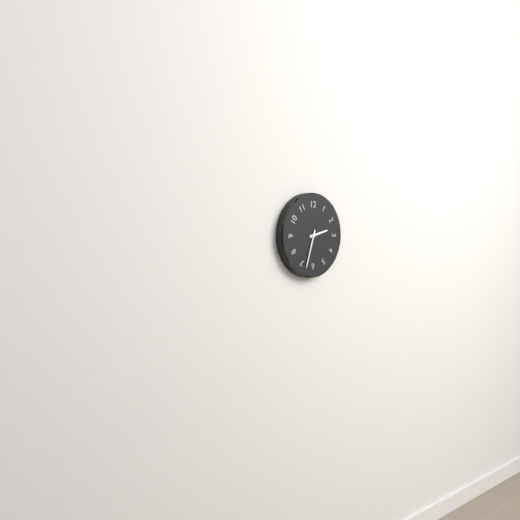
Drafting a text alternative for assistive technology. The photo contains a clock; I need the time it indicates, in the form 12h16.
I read 2h33
